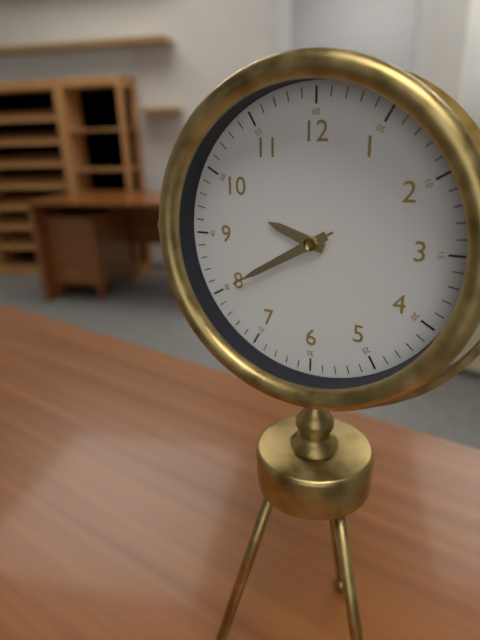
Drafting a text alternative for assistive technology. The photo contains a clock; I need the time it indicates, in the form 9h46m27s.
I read 9h40m40s
